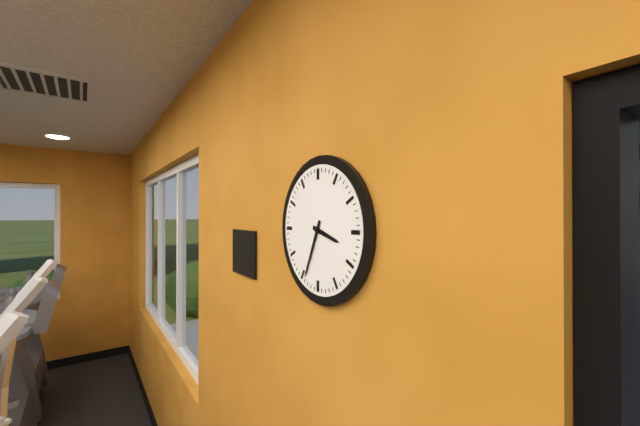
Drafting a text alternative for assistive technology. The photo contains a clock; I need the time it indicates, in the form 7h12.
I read 3h34
